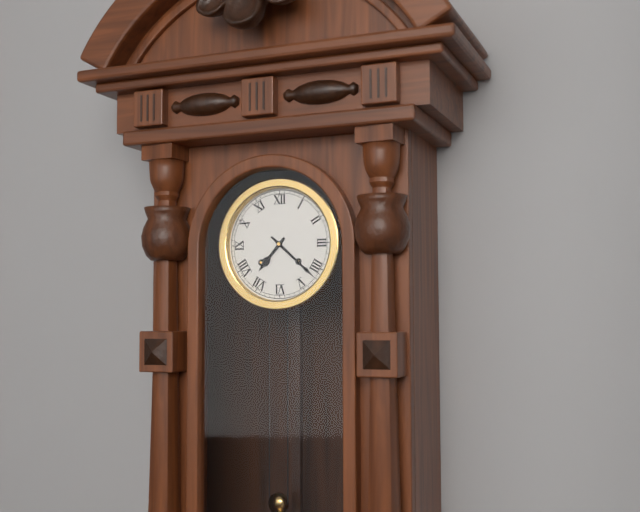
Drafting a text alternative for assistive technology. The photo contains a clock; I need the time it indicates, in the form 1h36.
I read 7h22
